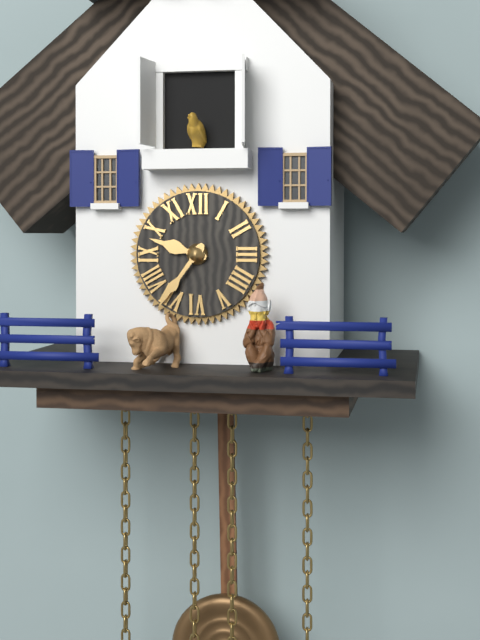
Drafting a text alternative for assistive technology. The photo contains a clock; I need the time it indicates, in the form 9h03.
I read 9h36
